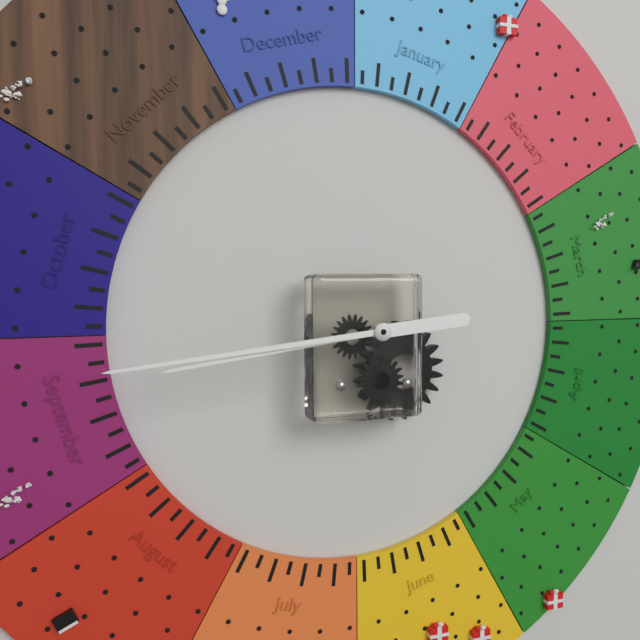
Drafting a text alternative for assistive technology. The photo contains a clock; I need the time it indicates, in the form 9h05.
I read 8h44
